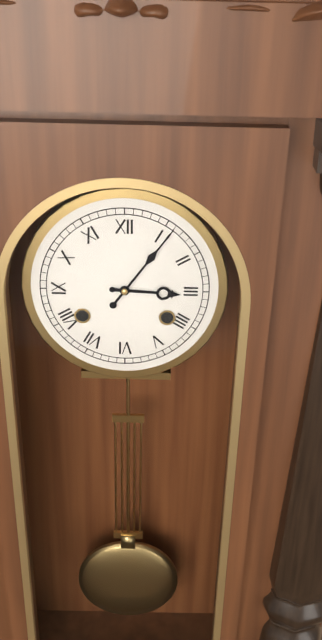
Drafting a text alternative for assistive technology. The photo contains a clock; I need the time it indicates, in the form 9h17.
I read 3h06
